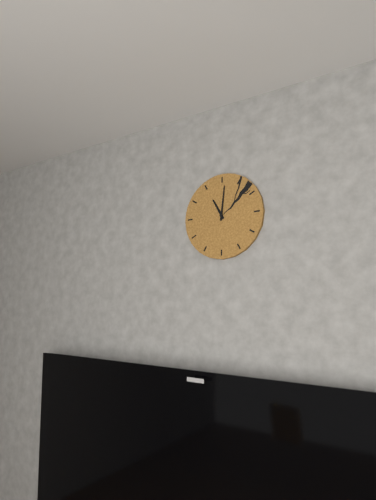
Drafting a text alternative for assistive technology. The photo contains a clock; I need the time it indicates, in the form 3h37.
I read 11h01
